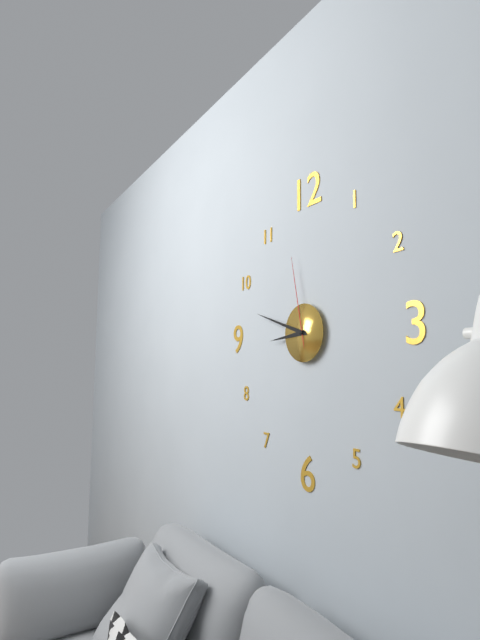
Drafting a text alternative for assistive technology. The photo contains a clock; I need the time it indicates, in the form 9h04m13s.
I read 8h48m58s
